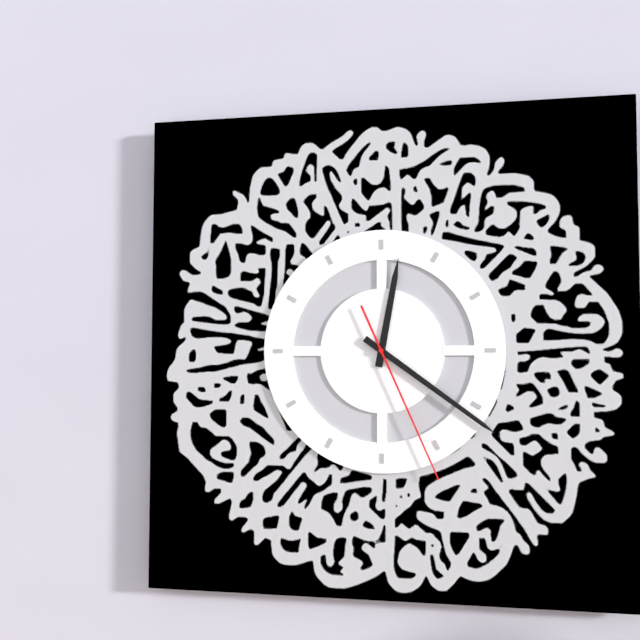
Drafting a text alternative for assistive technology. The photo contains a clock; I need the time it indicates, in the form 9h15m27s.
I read 12h21m26s
